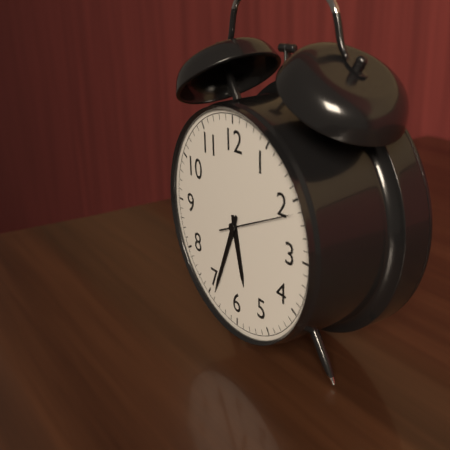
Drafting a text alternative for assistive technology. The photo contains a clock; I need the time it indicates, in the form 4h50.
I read 5h34
